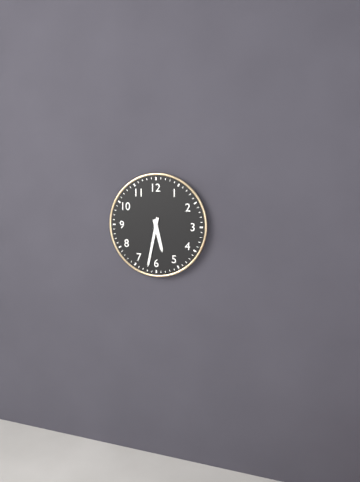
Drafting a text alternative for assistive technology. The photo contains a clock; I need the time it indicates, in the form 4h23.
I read 5h32
